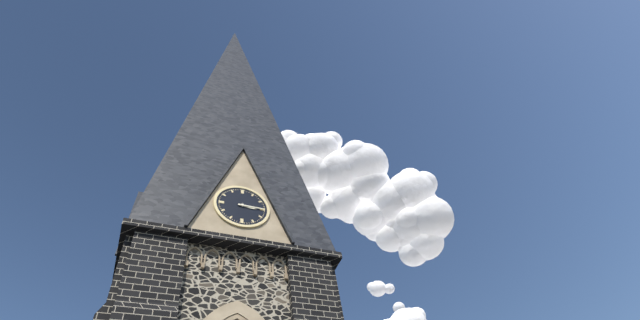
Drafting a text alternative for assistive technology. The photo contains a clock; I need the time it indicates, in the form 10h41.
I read 3h15
